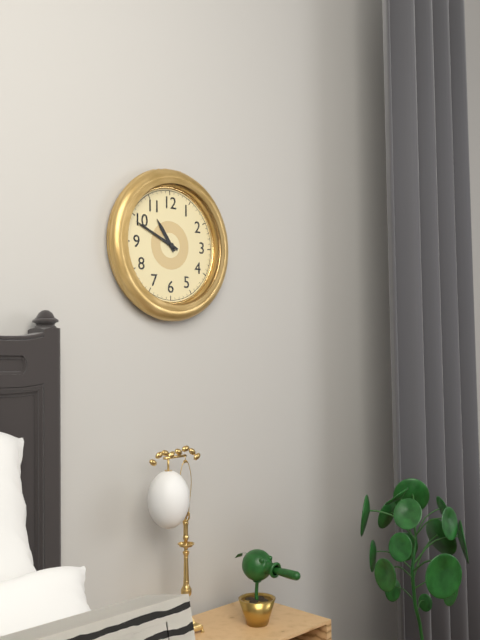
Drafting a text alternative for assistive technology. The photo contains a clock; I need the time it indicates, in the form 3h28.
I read 10h49
